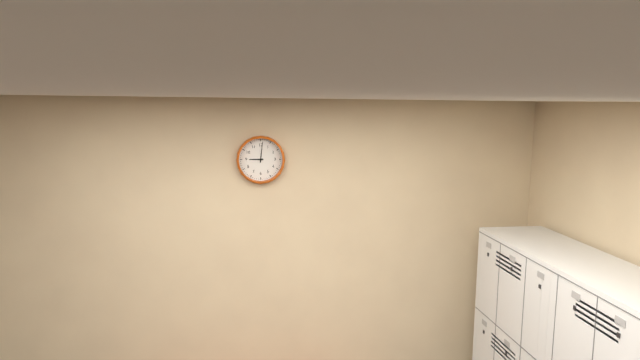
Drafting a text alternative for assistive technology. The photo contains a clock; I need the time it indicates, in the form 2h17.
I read 9h01
